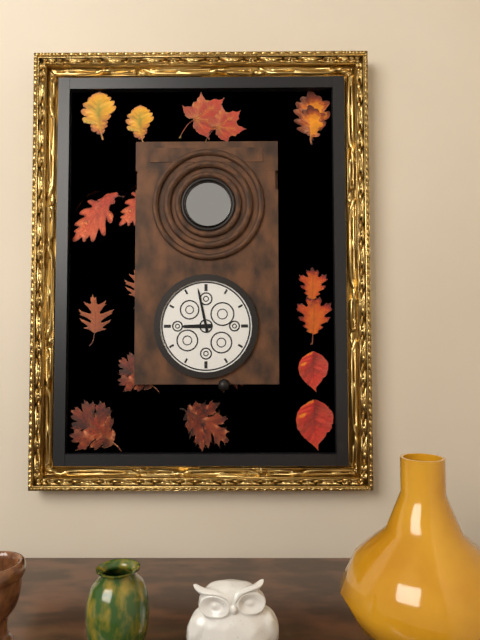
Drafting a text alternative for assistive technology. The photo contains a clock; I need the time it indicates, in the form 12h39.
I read 8h58
